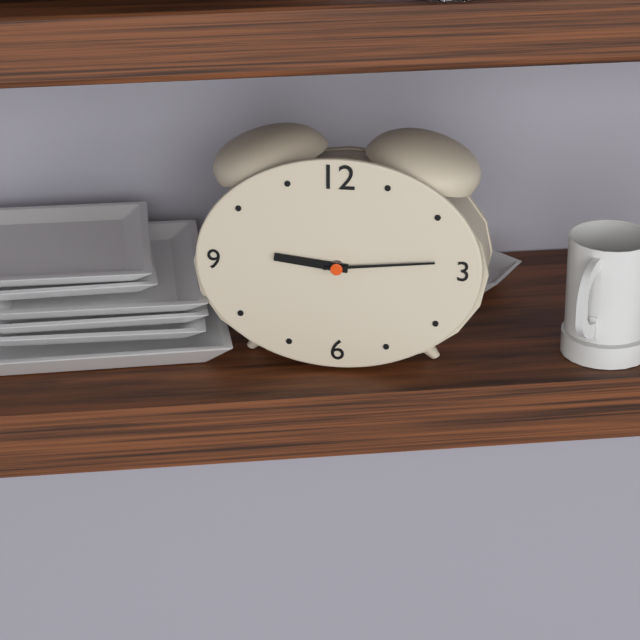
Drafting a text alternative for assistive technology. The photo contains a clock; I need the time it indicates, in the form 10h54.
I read 9h14
